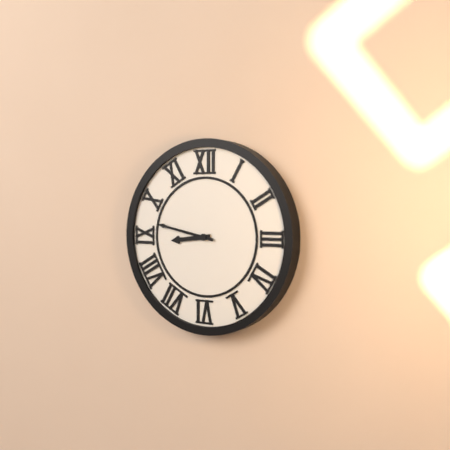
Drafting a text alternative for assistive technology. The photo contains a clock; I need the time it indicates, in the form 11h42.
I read 8h47
